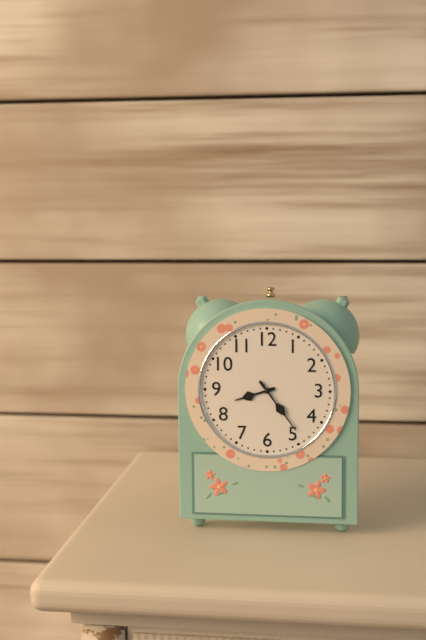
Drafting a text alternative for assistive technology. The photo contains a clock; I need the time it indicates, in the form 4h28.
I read 8h24
